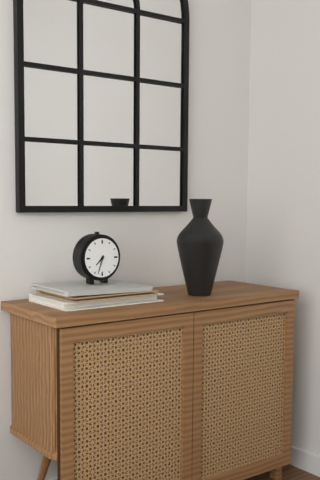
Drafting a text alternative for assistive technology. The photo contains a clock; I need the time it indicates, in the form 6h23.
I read 7h33
